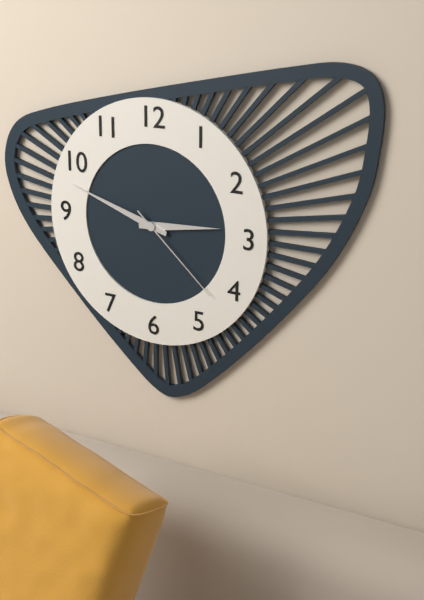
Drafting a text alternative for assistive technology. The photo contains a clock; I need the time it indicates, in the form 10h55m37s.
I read 2h48m22s
